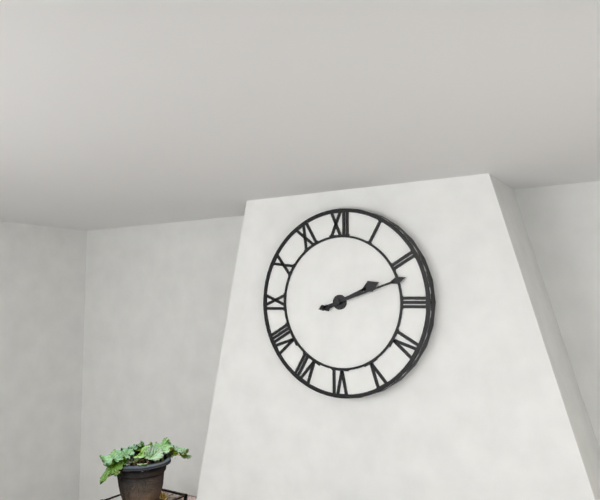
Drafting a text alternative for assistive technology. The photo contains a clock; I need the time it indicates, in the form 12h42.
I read 2h12
